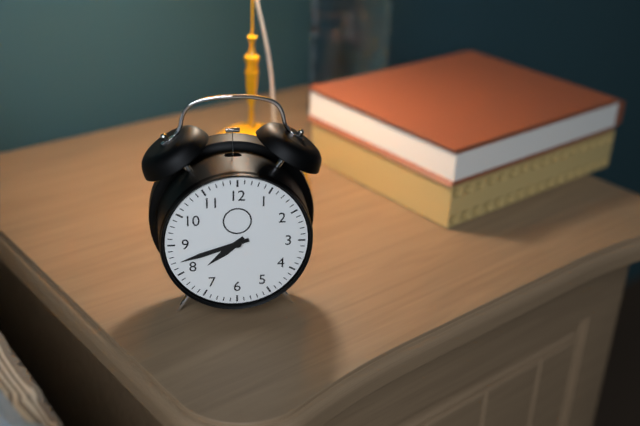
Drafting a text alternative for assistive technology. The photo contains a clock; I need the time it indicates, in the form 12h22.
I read 7h42
